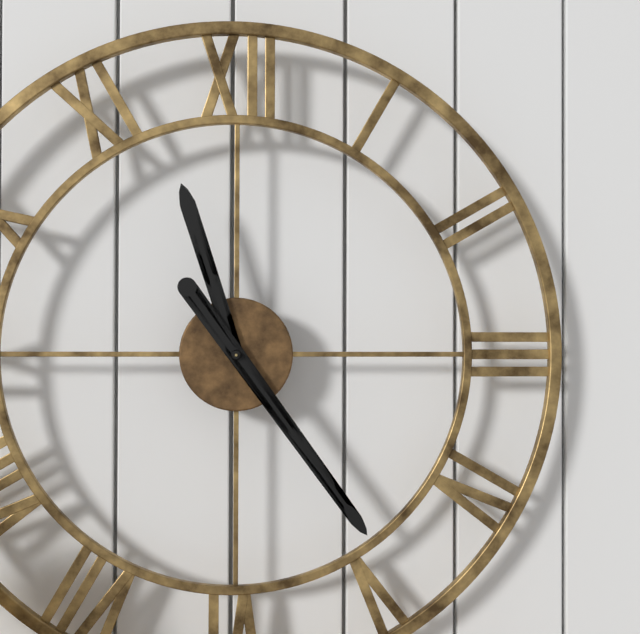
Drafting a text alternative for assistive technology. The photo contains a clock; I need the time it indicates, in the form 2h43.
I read 11h24
